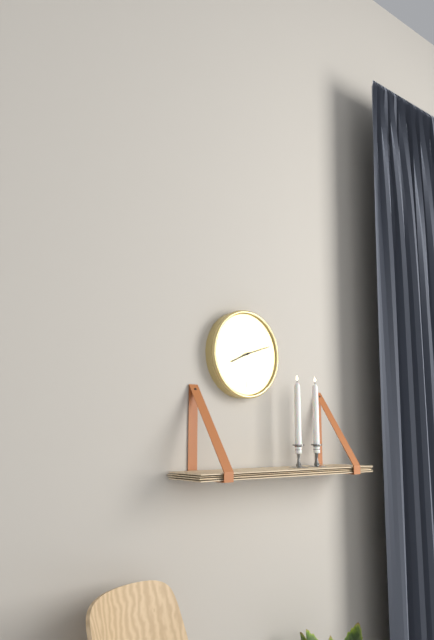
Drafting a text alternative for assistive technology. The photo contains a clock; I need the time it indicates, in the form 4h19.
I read 8h12
